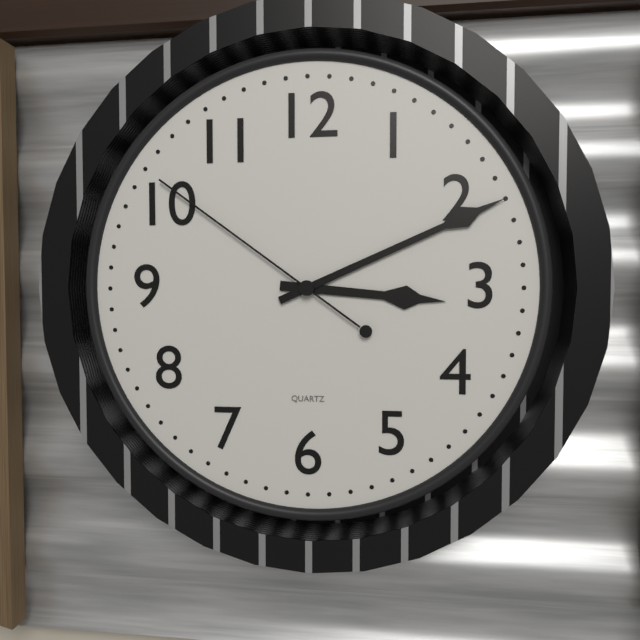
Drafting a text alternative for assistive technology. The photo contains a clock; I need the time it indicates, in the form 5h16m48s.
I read 3h11m51s
